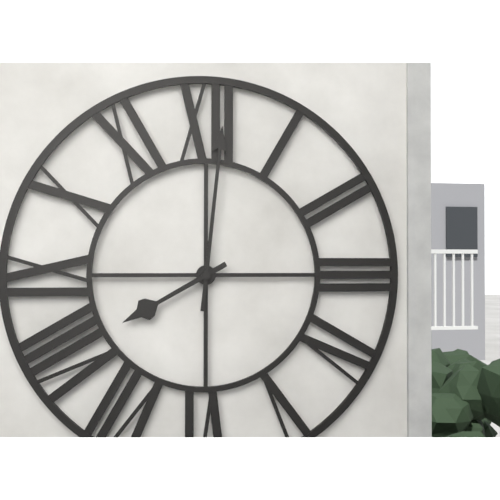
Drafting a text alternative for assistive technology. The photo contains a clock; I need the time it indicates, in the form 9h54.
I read 8h01
